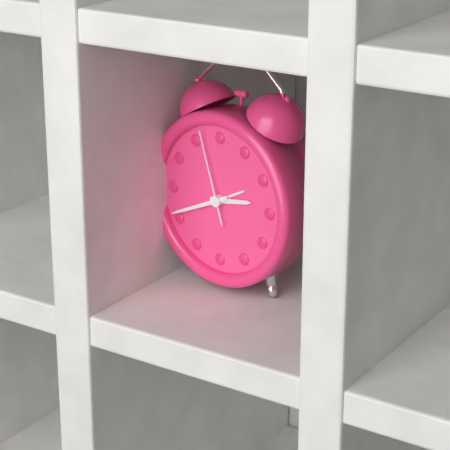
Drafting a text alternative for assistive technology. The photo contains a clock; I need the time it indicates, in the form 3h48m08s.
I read 2h41m57s
